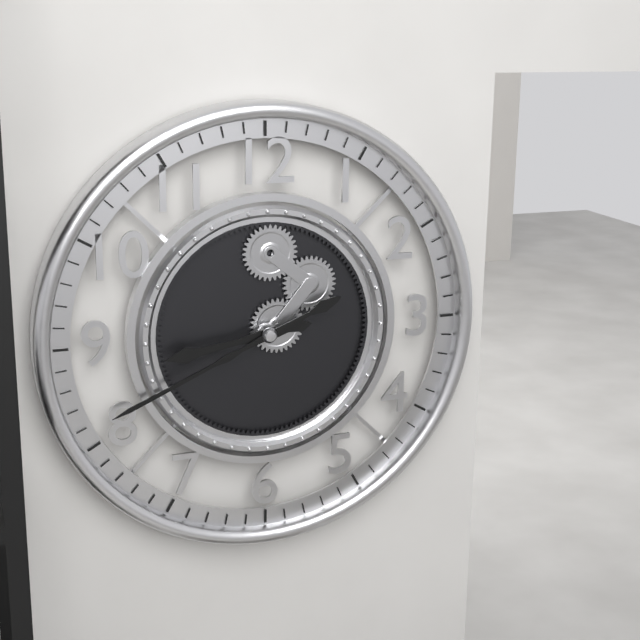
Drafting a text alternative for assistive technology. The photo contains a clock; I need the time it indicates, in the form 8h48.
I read 8h41
